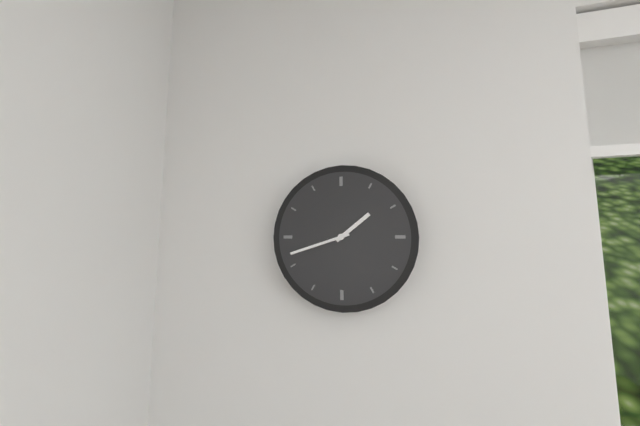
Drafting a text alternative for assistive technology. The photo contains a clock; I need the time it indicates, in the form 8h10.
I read 1h42
